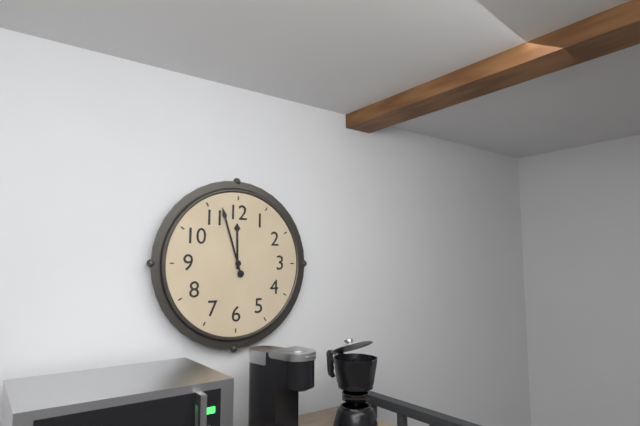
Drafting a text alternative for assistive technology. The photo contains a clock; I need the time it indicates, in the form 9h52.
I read 11h57
